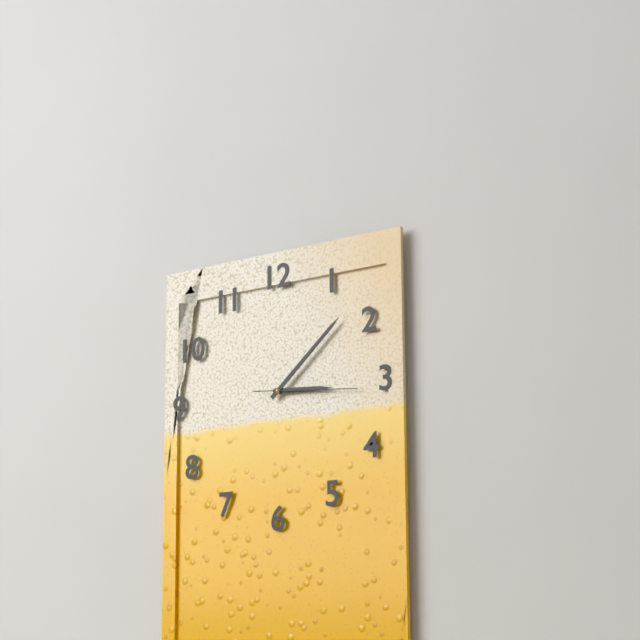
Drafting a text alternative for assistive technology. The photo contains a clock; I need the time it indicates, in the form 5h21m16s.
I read 3h08m16s
